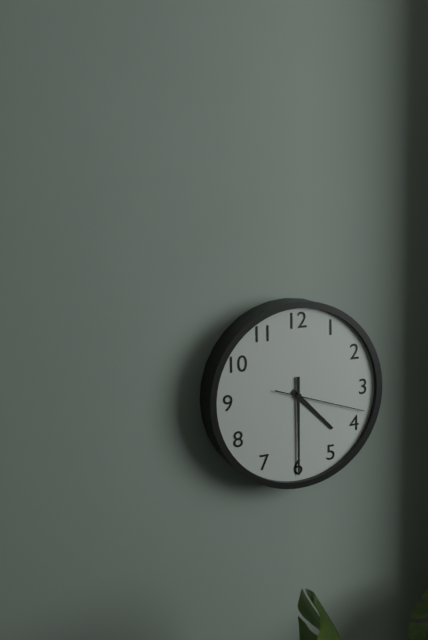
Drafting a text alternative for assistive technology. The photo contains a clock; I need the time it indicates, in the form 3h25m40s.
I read 4h30m18s
